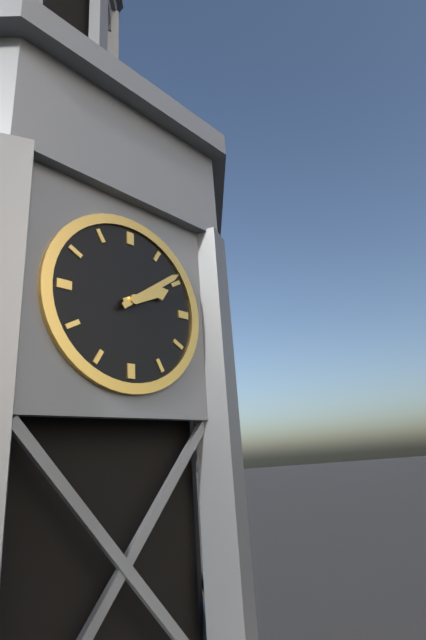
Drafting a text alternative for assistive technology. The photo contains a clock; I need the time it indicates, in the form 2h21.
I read 2h09
